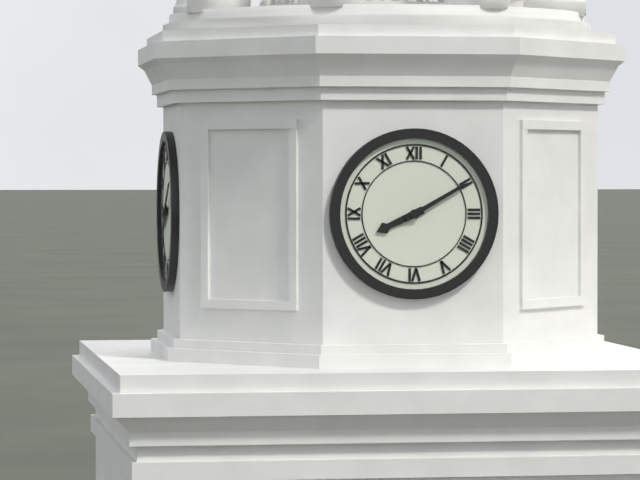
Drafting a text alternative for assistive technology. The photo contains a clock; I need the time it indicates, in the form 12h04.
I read 8h10
